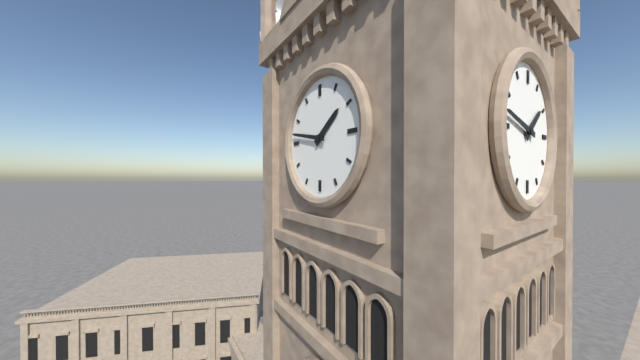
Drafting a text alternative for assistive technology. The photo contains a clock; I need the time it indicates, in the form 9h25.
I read 1h47
